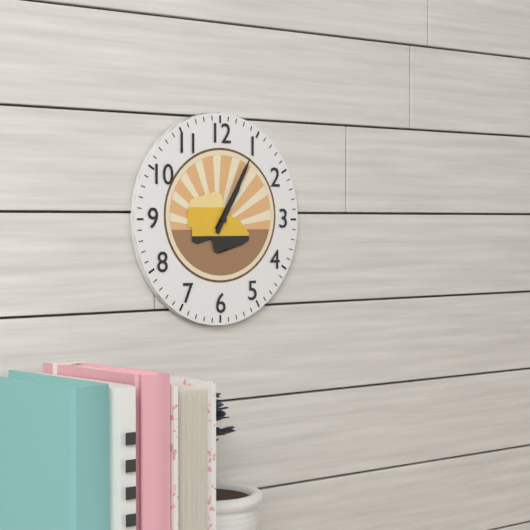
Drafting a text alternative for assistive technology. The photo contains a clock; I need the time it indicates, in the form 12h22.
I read 1h05
